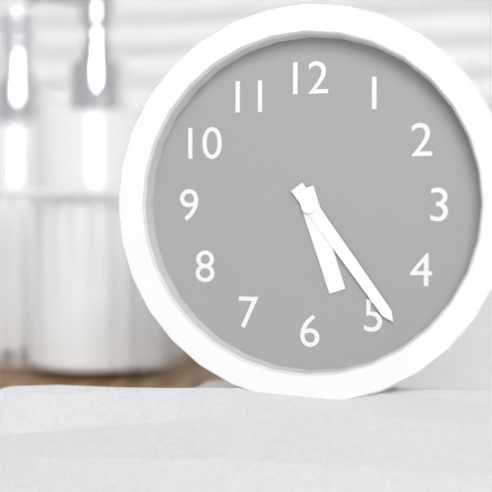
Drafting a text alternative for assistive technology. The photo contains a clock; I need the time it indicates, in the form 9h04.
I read 5h24
